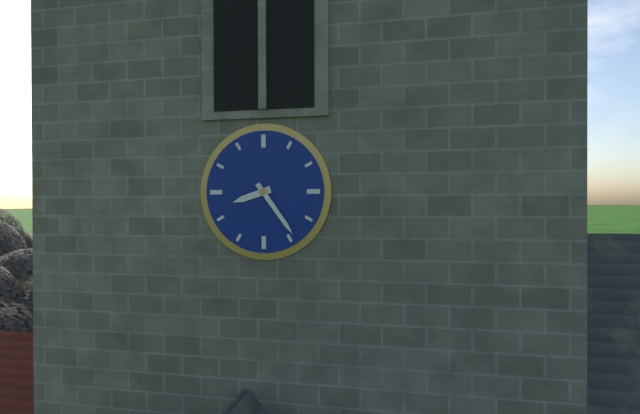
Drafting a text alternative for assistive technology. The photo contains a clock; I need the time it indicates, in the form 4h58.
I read 8h24
